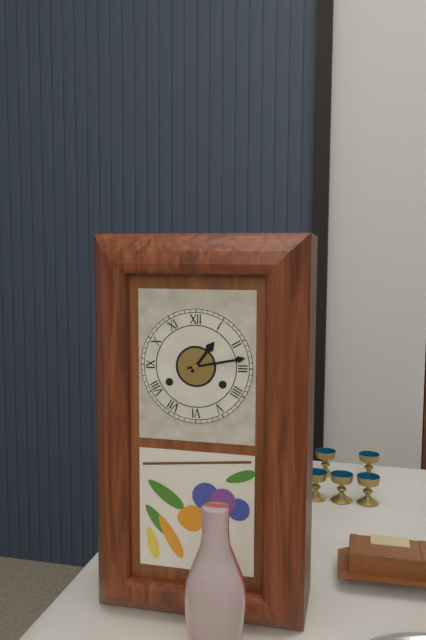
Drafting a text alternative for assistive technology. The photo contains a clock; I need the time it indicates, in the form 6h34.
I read 1h13
